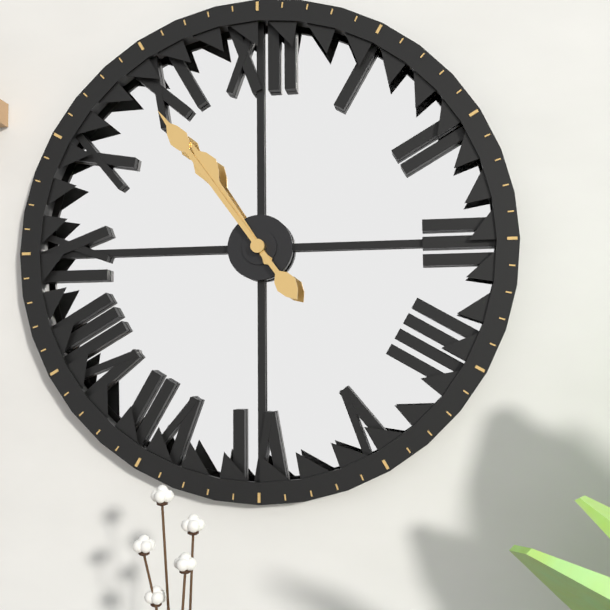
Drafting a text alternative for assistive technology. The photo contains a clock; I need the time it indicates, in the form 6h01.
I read 10h54
